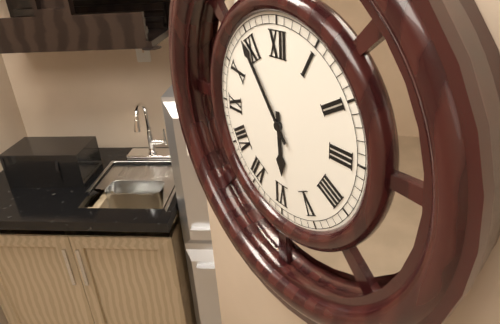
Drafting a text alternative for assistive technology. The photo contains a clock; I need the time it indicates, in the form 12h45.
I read 5h54
